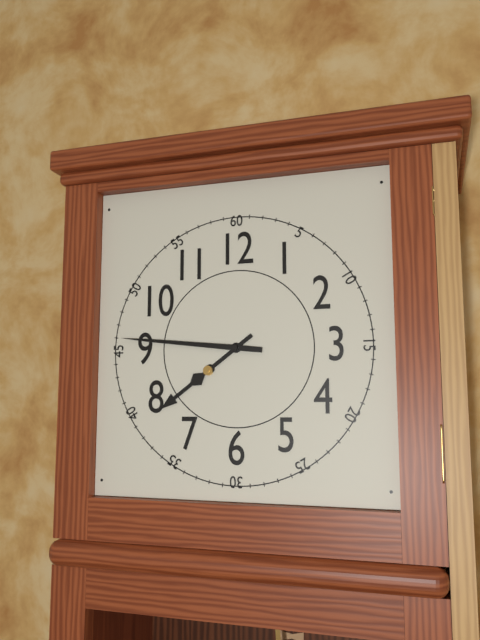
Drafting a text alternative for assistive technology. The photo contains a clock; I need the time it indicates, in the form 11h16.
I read 7h46
